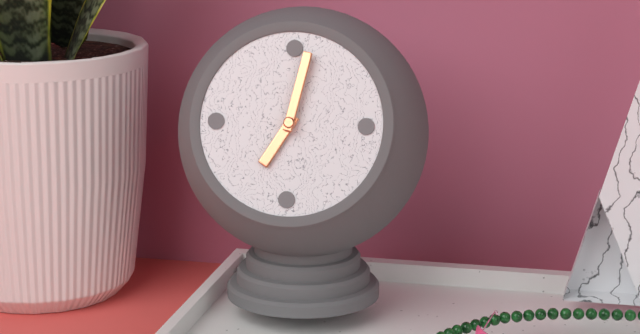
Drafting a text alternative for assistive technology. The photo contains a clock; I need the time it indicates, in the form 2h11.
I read 7h02
